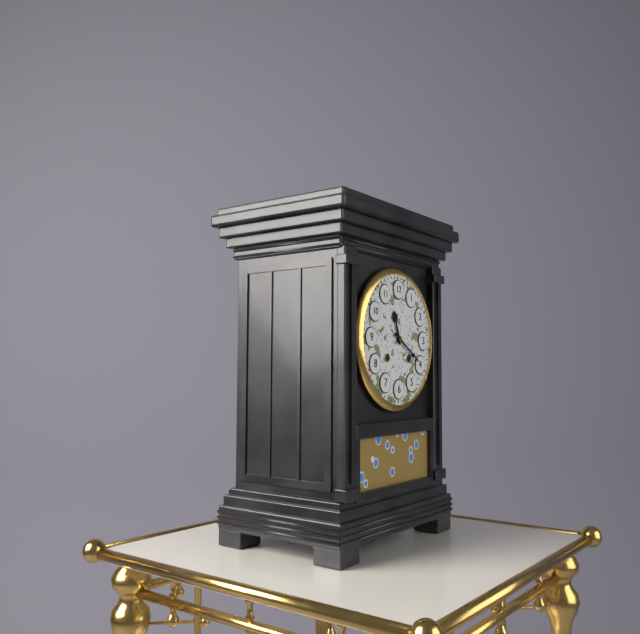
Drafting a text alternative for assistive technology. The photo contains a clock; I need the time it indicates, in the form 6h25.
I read 11h20
